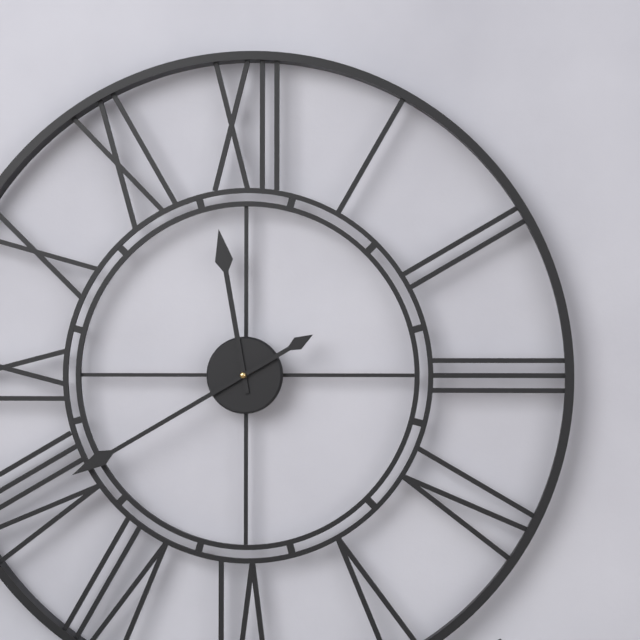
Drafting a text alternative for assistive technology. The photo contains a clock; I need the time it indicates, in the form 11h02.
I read 11h40
